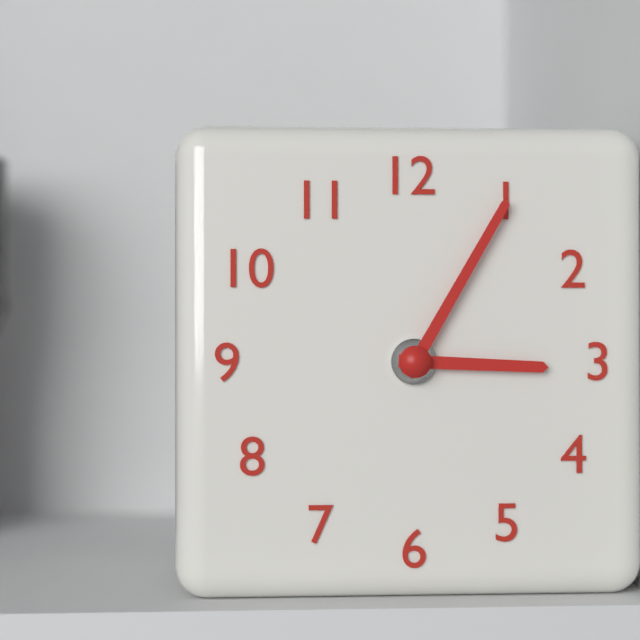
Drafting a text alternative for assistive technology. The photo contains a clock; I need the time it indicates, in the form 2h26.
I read 3h05
